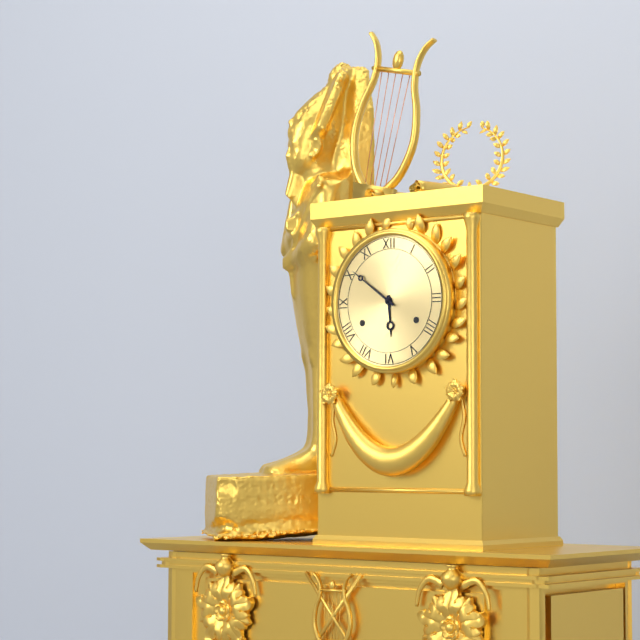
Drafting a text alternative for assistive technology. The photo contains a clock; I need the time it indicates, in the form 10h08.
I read 5h51
